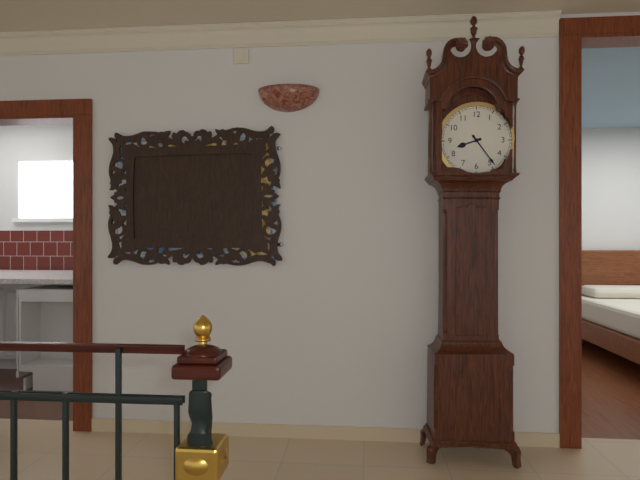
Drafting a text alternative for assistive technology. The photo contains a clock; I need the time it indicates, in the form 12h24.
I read 8h24
